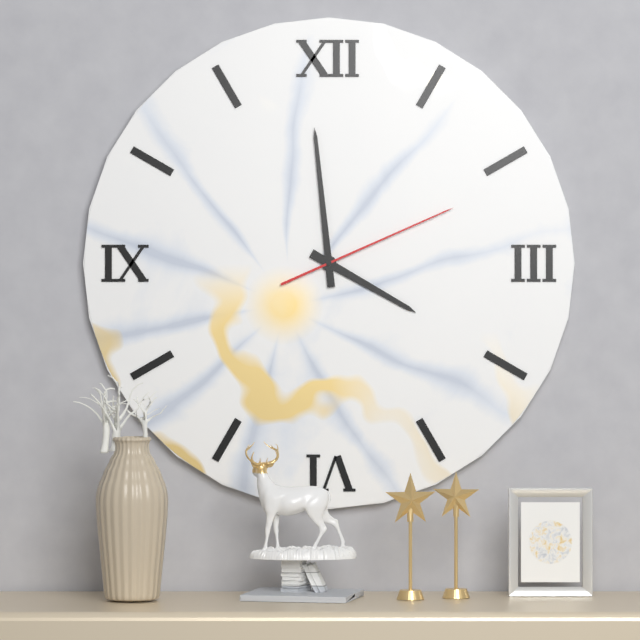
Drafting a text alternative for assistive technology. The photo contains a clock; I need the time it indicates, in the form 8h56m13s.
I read 3h59m11s
